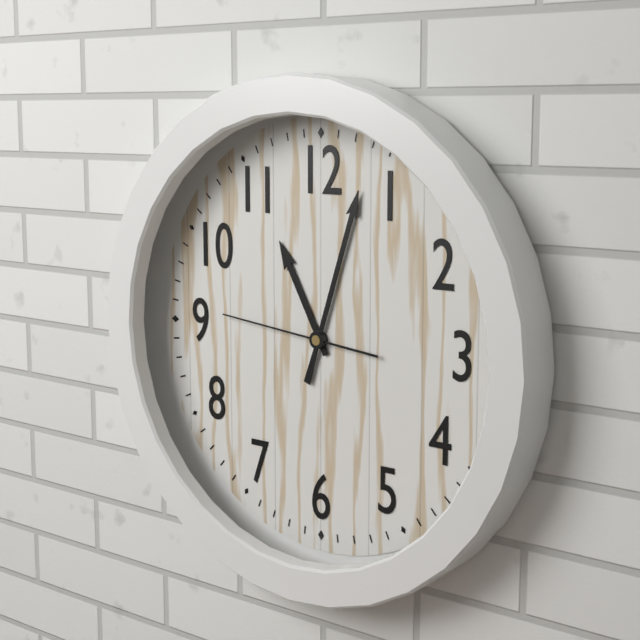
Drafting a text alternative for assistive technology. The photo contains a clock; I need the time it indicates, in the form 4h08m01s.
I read 11h03m46s
